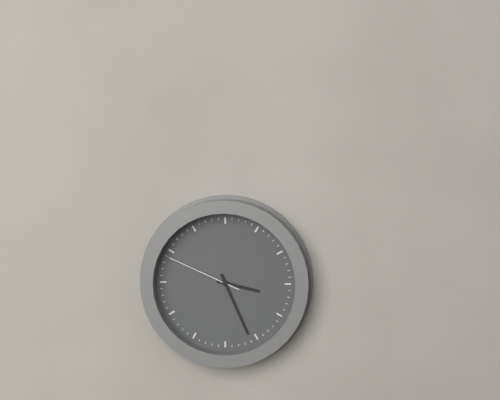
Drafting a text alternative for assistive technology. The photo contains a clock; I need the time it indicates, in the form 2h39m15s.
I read 3h26m49s
